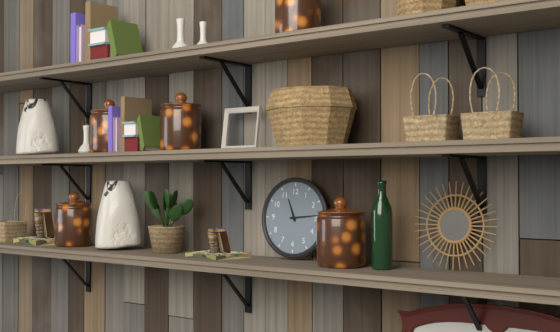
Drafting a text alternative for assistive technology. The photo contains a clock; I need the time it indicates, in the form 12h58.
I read 11h14
